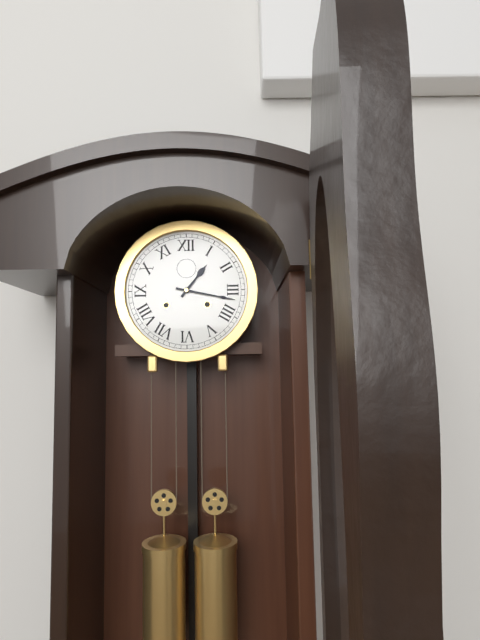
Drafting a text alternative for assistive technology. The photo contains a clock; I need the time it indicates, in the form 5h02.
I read 1h17
